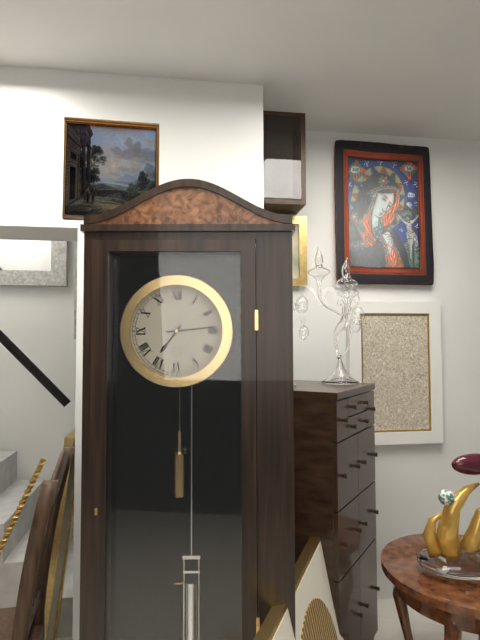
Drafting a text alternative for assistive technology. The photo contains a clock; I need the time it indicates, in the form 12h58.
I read 7h14
